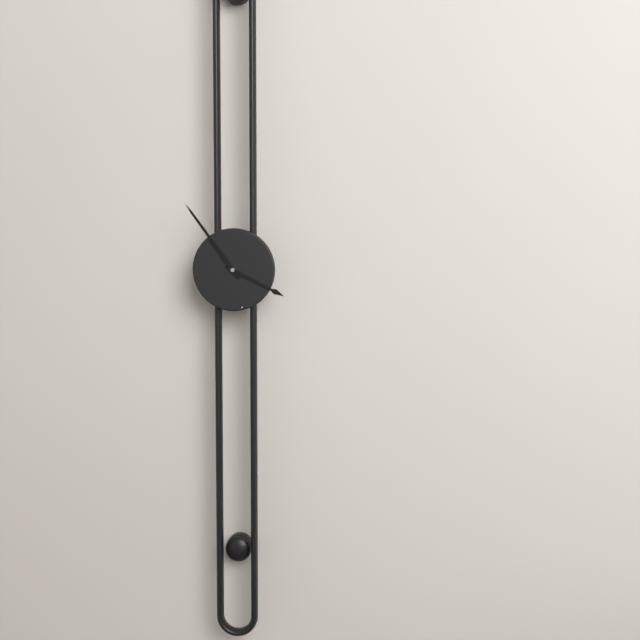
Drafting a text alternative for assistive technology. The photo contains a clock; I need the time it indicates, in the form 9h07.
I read 3h54
